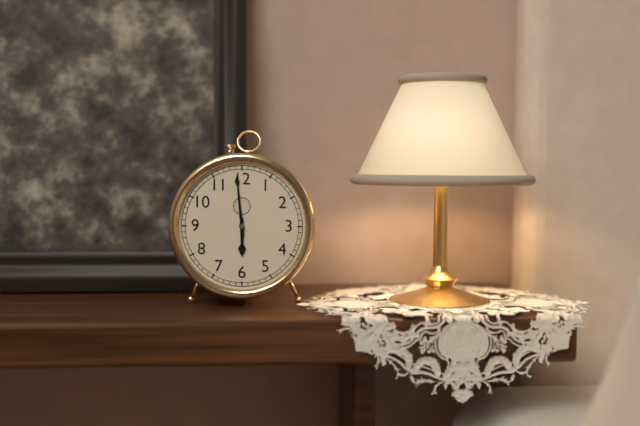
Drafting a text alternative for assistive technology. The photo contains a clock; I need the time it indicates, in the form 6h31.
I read 5h59
